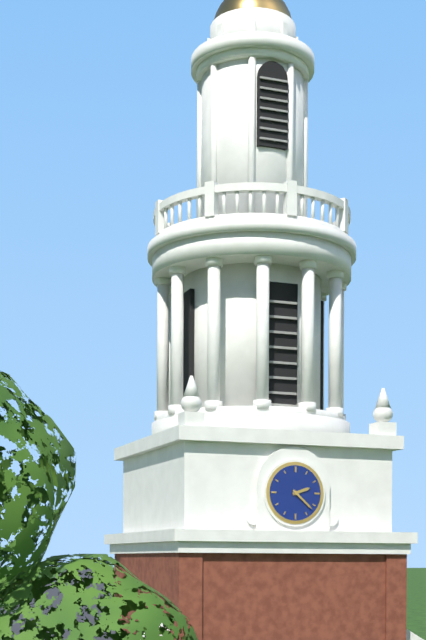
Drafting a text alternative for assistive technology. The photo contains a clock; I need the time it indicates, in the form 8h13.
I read 2h22
